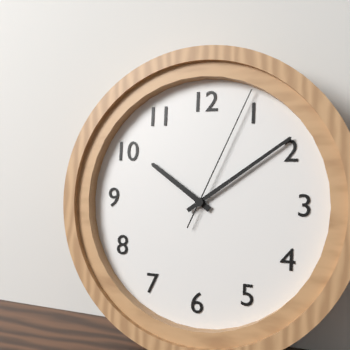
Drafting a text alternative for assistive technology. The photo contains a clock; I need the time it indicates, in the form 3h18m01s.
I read 10h09m04s
